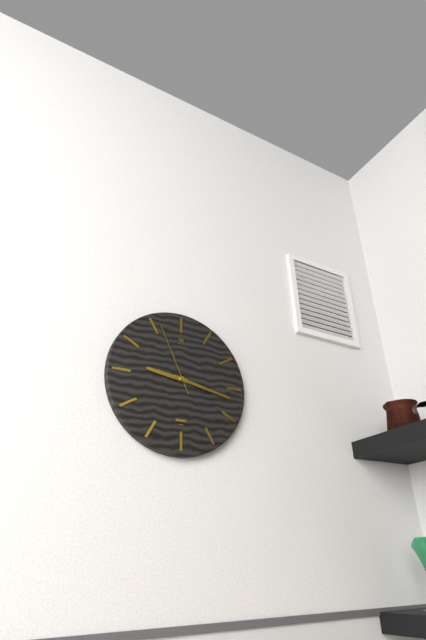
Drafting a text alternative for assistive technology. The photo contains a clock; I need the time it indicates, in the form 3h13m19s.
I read 9h17m56s
